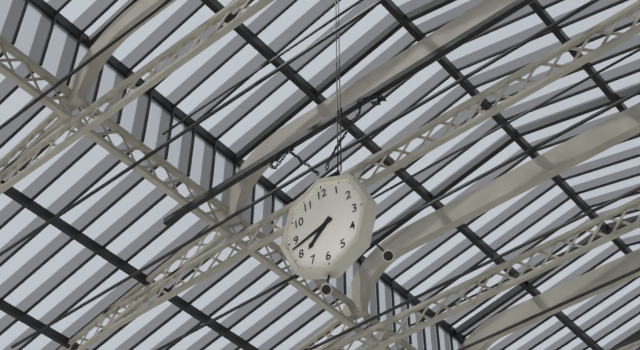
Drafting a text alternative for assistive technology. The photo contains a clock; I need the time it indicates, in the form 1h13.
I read 7h43
